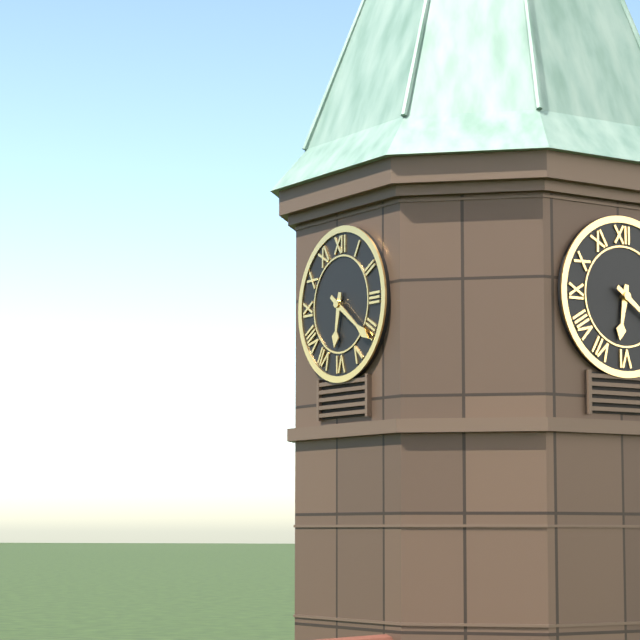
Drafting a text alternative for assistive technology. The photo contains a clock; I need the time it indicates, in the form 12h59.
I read 6h21
